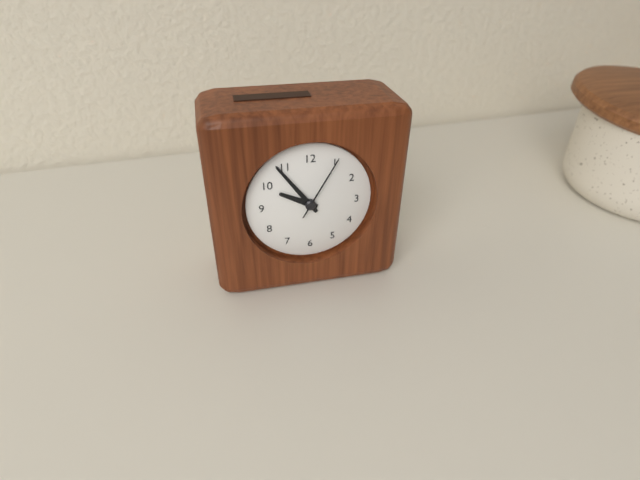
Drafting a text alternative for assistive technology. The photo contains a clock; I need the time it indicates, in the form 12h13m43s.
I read 9h54m05s
